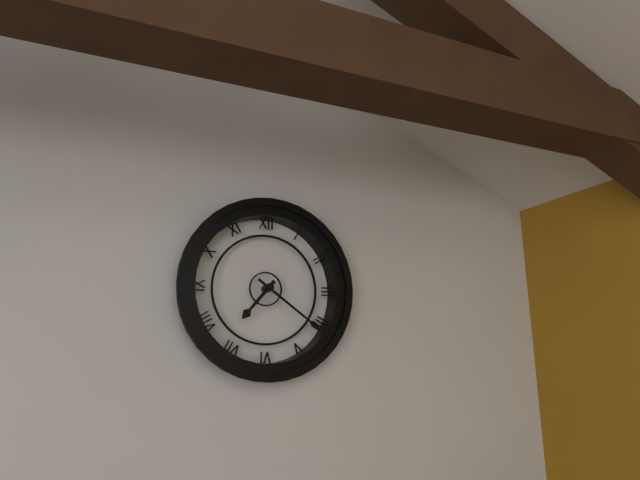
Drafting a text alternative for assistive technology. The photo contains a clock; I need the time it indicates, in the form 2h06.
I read 7h21
